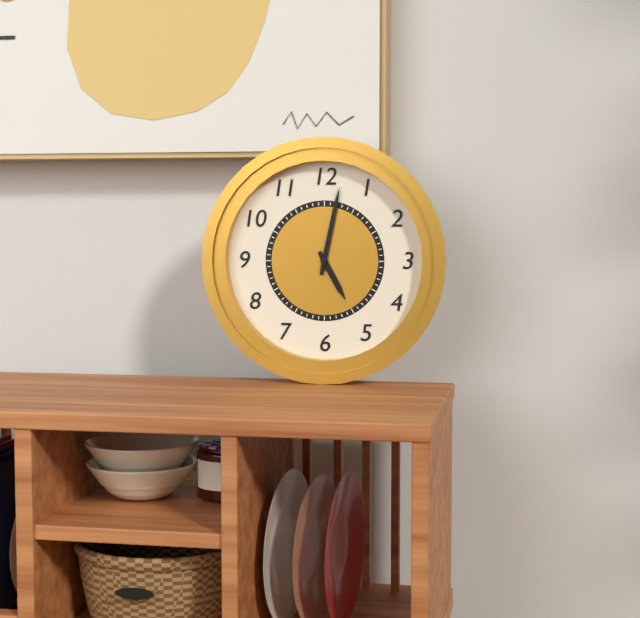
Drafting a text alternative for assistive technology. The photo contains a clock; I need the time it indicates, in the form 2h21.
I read 5h02
